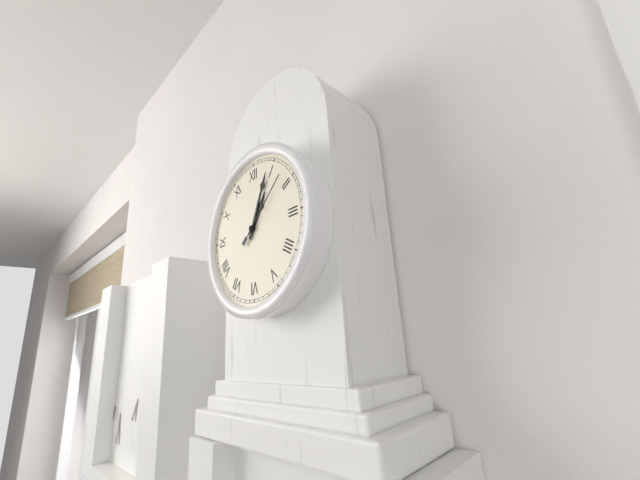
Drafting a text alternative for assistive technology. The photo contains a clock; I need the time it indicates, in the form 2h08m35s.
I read 1h04m08s
